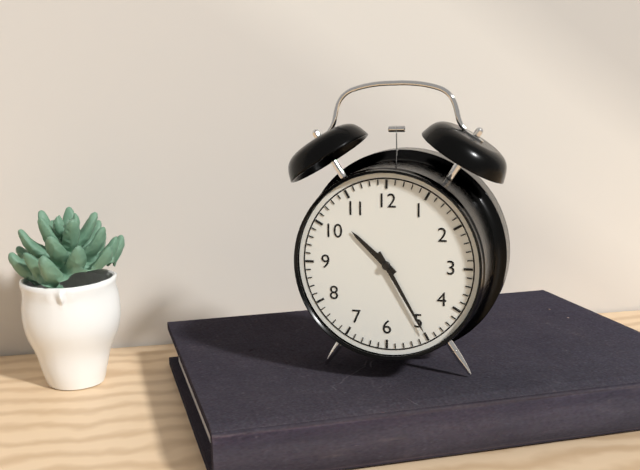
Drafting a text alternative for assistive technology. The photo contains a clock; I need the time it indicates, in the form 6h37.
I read 10h25
